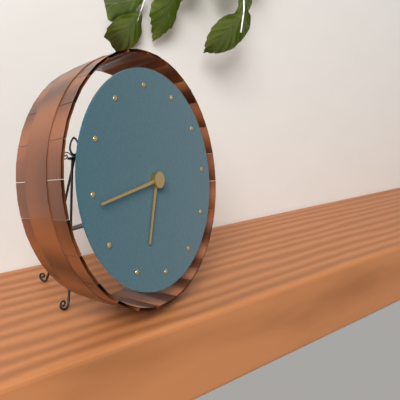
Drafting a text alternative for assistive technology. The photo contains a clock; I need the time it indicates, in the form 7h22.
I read 6h44
